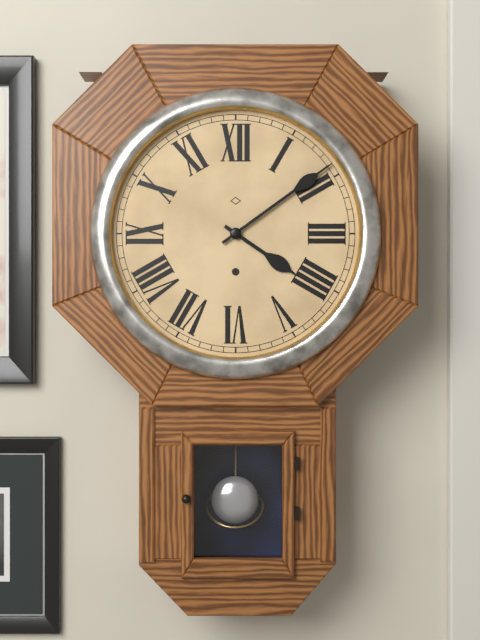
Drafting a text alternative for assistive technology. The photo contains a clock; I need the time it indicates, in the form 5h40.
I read 4h09
